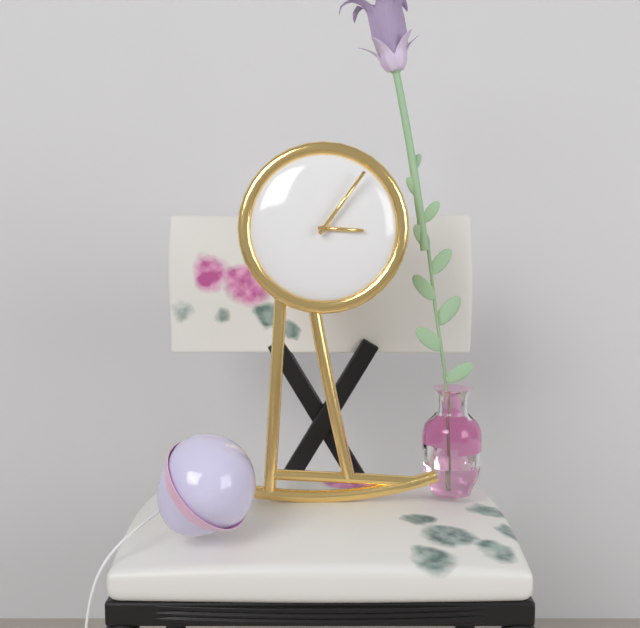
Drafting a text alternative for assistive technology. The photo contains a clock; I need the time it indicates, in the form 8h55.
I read 3h06
